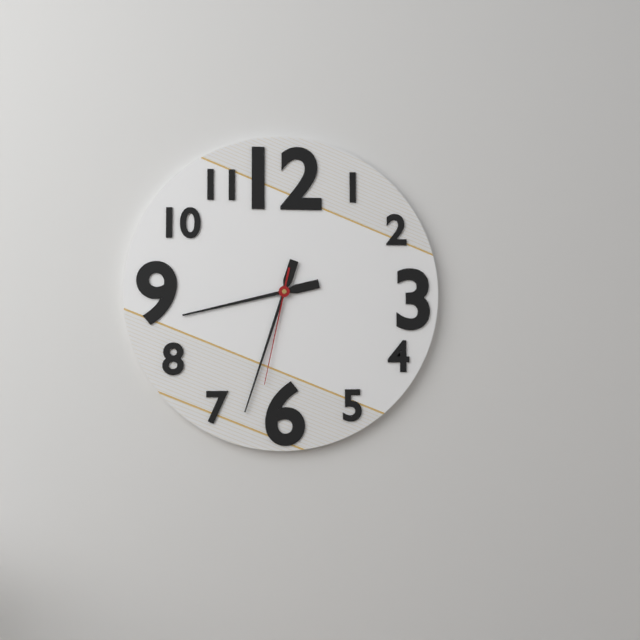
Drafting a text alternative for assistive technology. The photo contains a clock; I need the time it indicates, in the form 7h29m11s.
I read 8h33m32s
